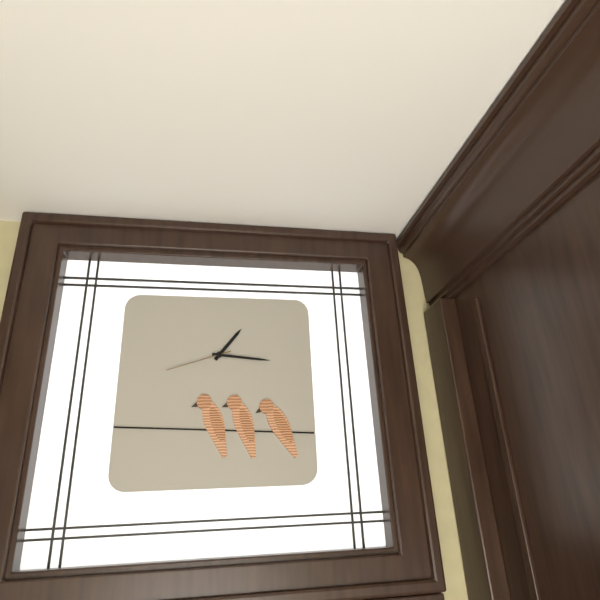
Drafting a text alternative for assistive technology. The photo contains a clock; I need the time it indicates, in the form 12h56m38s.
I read 1h16m42s
